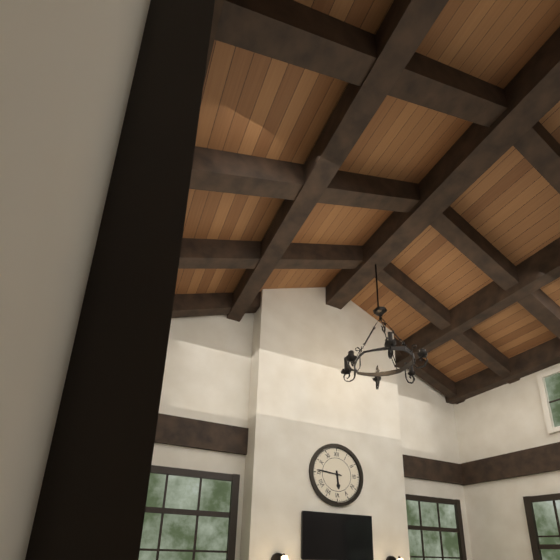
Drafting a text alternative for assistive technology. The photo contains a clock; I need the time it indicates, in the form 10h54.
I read 5h46
